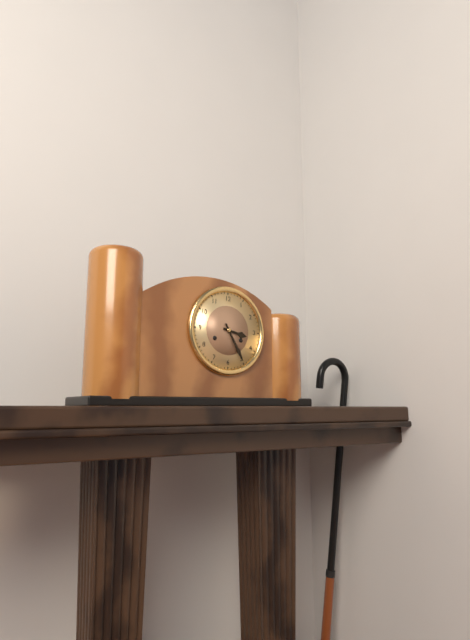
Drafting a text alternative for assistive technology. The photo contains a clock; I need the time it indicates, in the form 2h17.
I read 3h25
